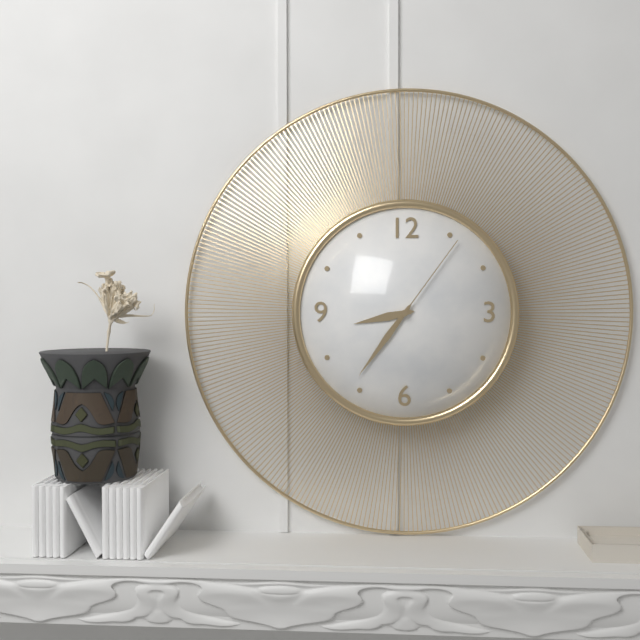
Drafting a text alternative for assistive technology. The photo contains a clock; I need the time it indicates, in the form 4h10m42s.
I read 8h36m06s
